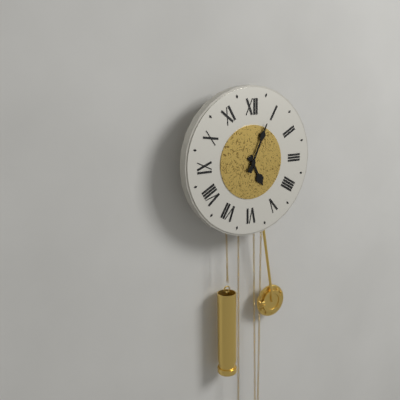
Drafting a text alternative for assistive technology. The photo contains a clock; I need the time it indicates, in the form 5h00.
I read 5h04
